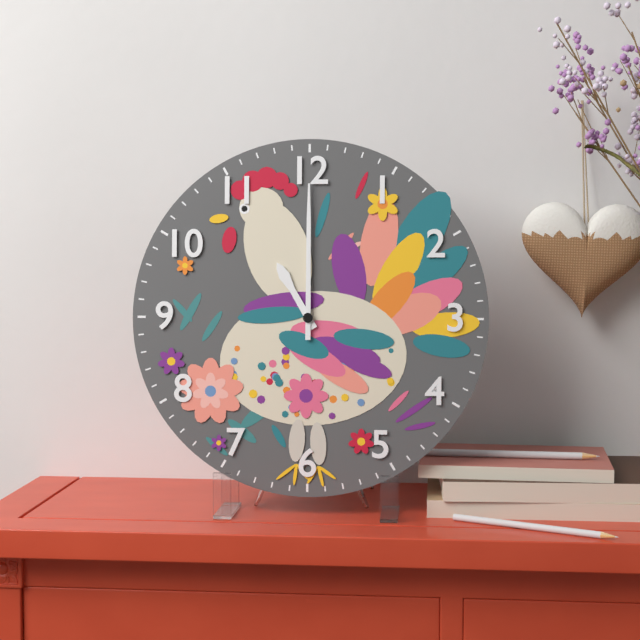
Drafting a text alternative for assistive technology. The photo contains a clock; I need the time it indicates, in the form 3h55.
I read 11h00
